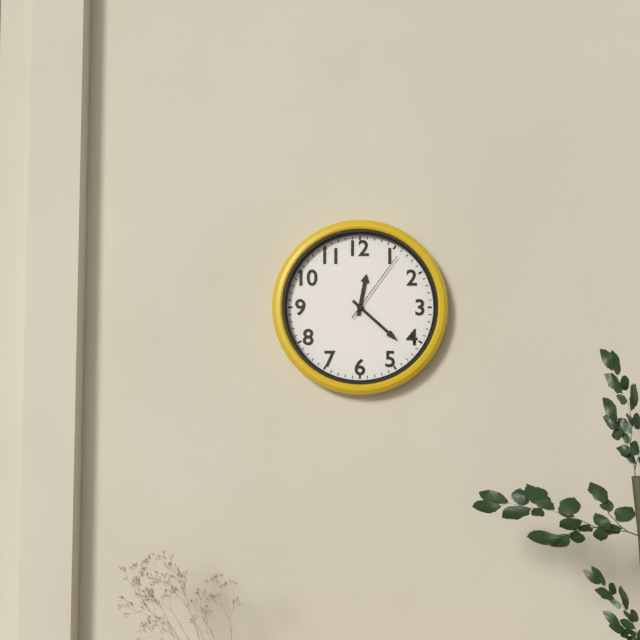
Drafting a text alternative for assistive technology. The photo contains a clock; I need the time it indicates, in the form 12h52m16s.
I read 12h22m06s
